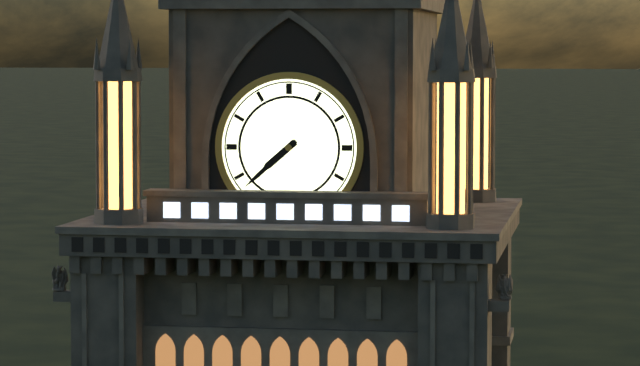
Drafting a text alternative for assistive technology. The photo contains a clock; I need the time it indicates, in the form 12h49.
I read 7h38
